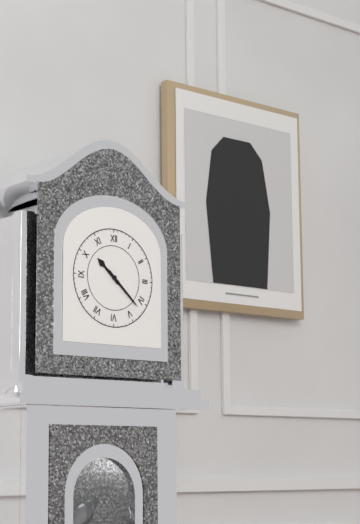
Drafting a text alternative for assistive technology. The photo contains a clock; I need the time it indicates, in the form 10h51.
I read 10h22
